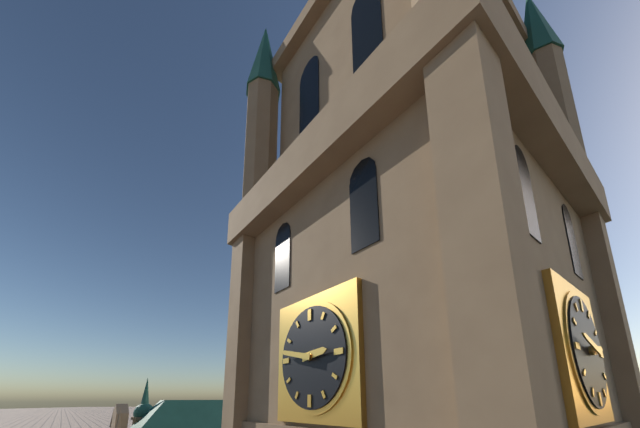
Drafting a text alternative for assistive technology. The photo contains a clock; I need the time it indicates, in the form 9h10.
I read 2h47
